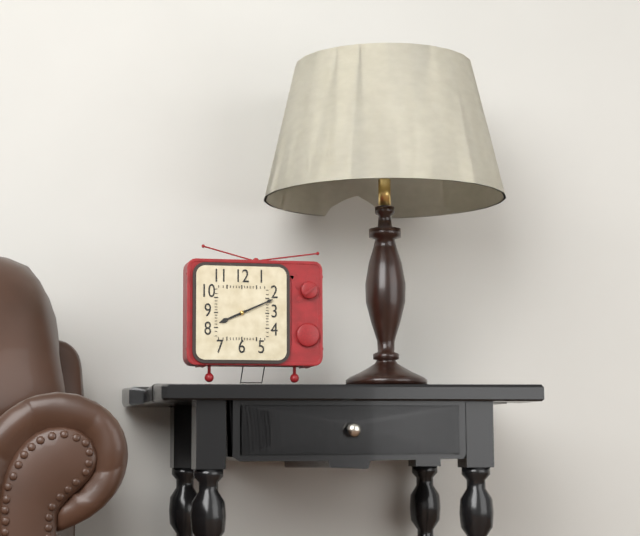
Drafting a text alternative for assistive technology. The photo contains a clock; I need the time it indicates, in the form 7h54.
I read 8h11
